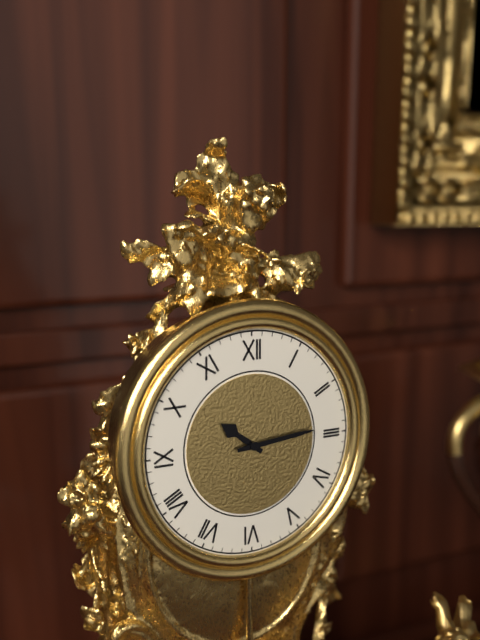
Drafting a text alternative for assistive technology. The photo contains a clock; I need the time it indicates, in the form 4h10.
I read 10h14
